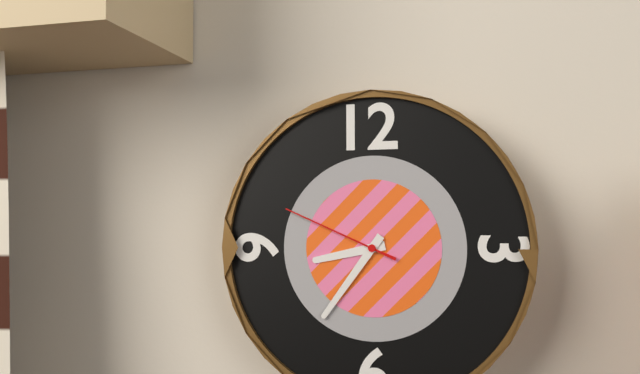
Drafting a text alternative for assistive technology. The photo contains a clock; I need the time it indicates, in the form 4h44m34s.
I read 8h36m49s
